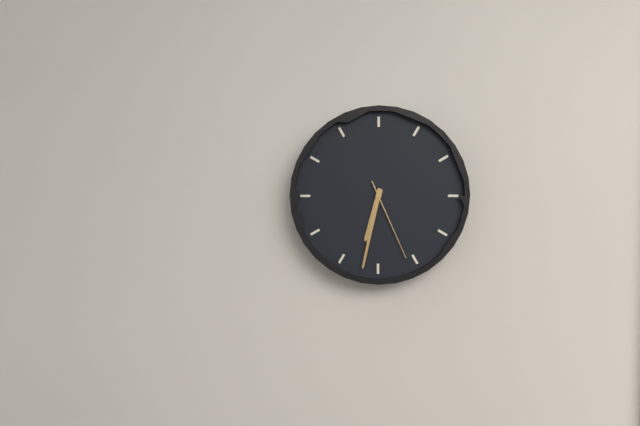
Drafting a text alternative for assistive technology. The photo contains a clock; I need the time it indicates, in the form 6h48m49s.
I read 6h32m26s
